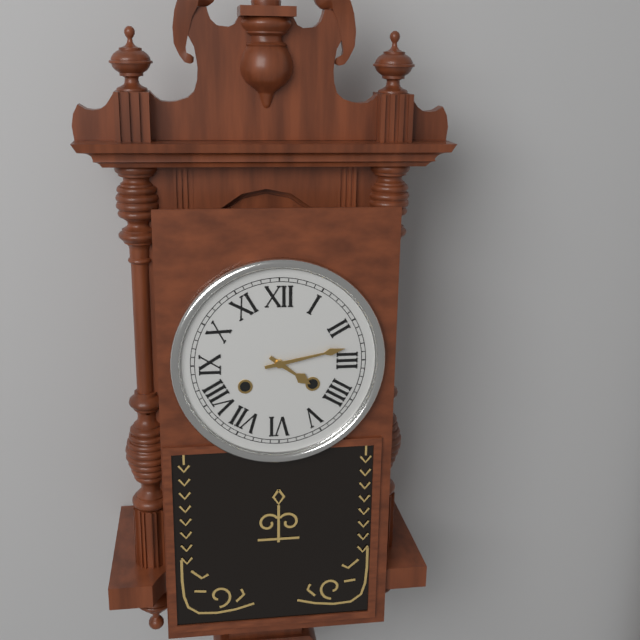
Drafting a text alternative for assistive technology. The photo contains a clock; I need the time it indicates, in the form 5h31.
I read 4h13
